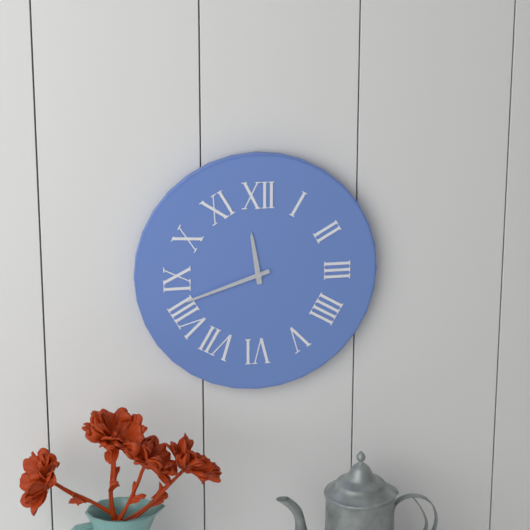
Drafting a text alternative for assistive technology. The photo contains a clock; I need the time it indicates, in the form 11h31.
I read 11h42
